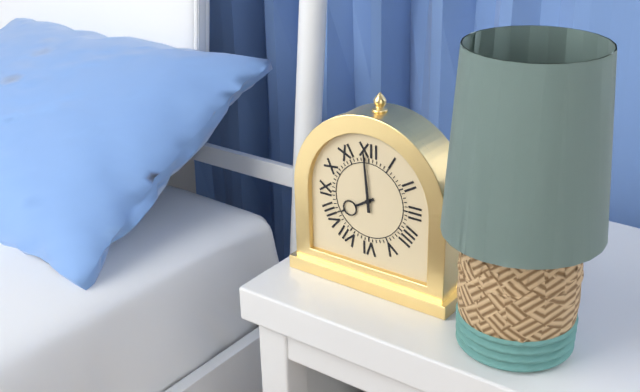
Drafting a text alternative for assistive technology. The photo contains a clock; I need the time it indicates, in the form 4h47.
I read 7h59
